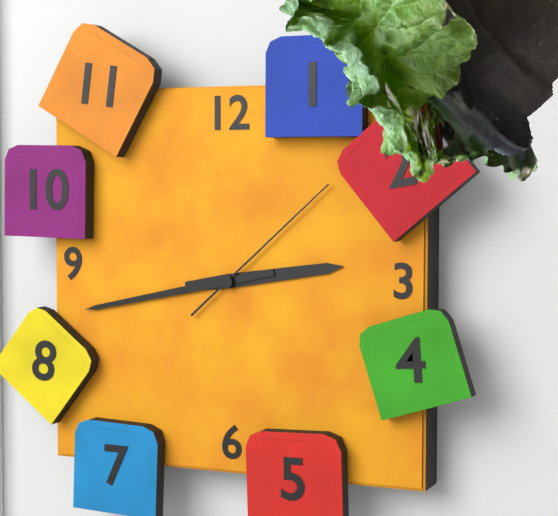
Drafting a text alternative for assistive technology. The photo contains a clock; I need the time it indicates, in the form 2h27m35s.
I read 2h43m08s
